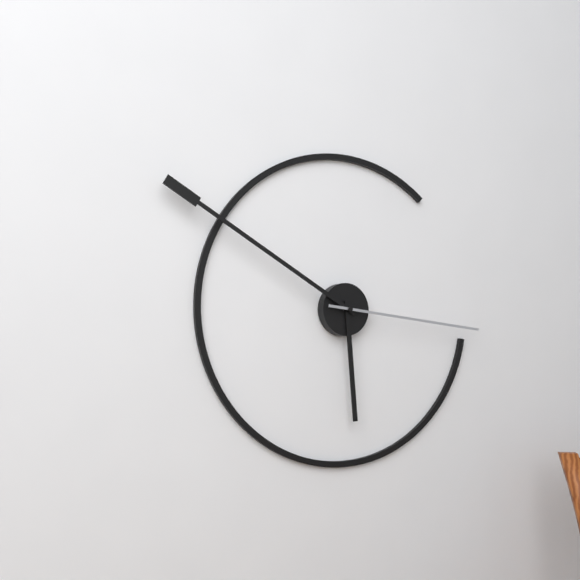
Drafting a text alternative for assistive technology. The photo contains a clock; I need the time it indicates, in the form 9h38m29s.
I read 5h50m16s
